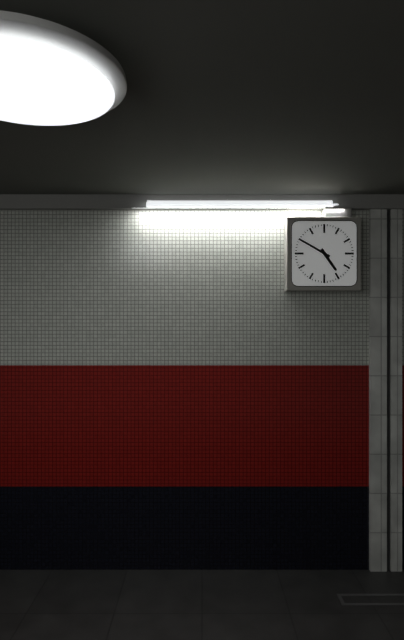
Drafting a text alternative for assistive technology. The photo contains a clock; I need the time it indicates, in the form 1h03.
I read 4h50
